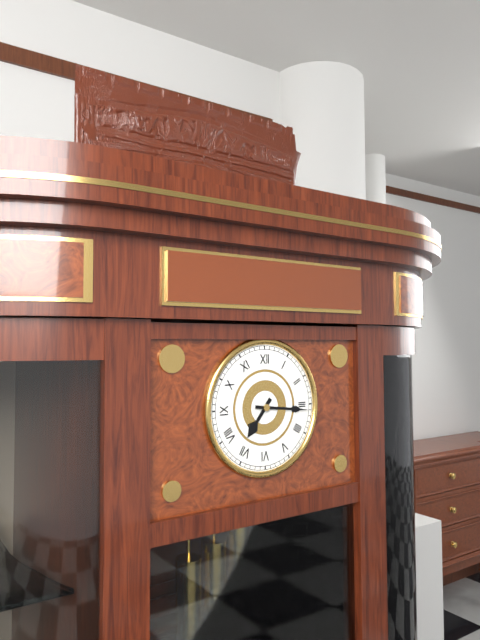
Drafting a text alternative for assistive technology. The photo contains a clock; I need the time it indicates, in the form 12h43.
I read 7h16
